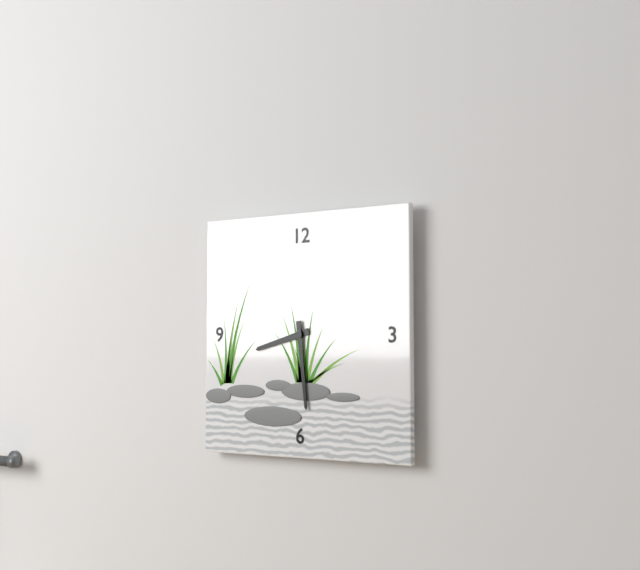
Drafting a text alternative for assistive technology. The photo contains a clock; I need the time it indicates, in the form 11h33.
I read 8h29
